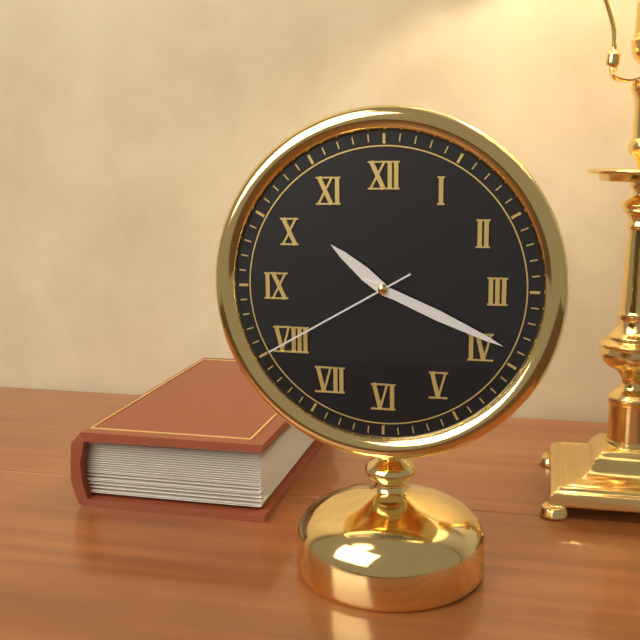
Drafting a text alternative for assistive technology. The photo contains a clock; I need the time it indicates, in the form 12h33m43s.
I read 10h19m40s
